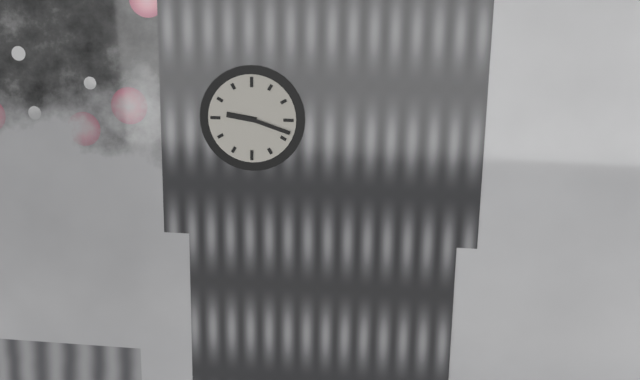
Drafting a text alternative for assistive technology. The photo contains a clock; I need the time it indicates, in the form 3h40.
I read 9h18
